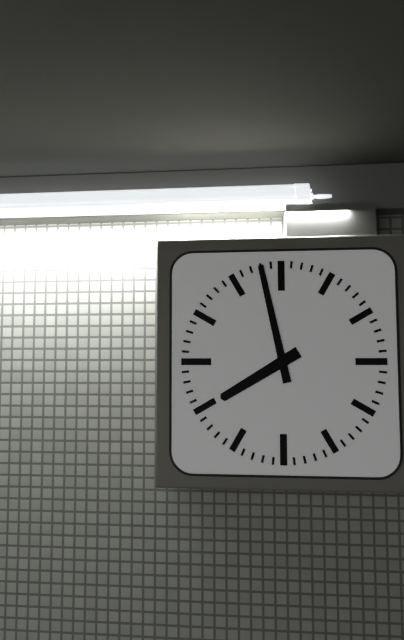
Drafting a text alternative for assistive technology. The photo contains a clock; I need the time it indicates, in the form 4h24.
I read 7h58
